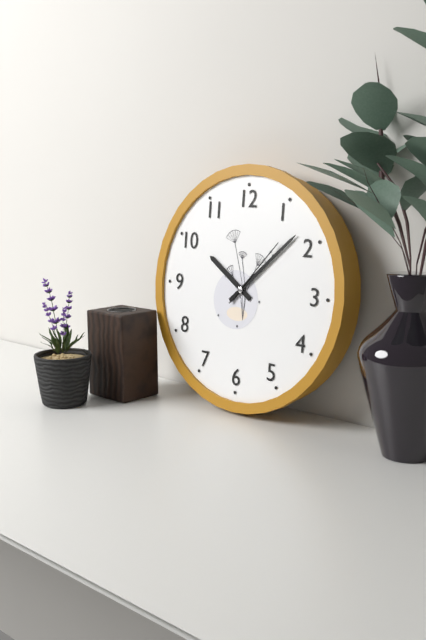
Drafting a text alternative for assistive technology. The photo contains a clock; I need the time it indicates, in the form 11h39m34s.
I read 10h08m07s
